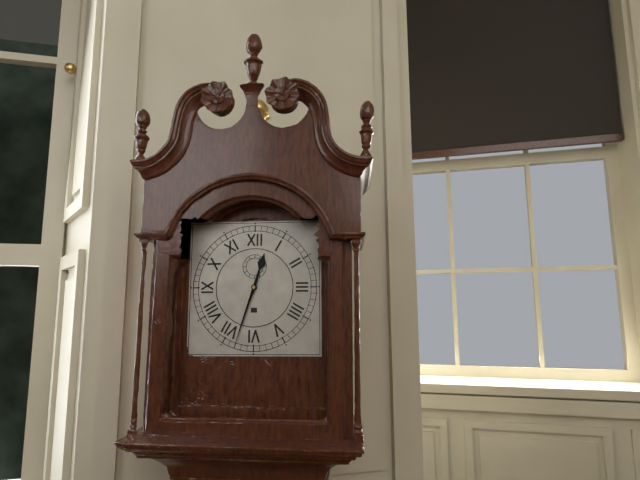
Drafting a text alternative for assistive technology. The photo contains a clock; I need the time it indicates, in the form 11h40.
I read 12h33
